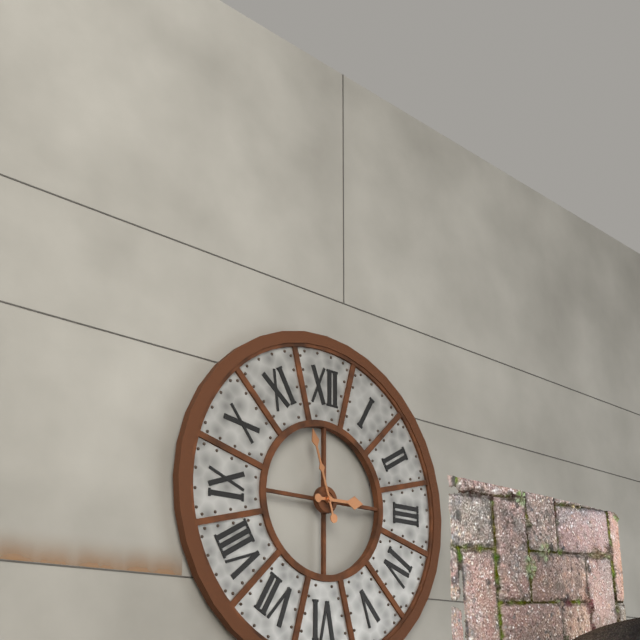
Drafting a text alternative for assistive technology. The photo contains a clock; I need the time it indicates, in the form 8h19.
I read 2h57
